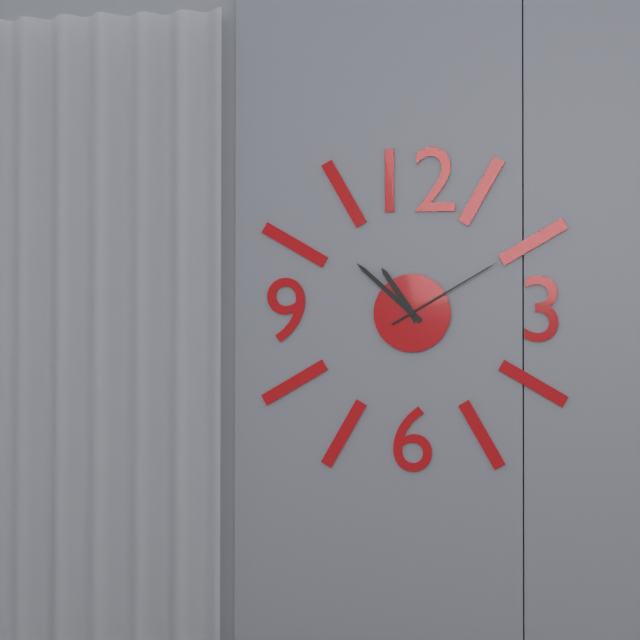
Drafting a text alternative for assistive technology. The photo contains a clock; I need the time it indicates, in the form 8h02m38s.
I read 10h52m10s
